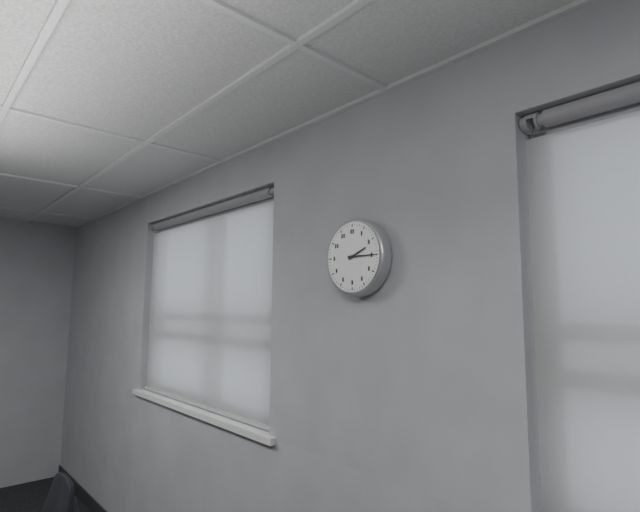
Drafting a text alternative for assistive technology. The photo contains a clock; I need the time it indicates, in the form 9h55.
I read 2h15
